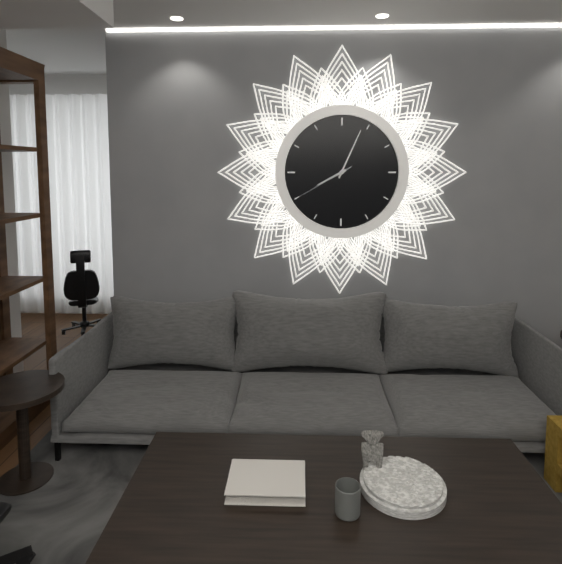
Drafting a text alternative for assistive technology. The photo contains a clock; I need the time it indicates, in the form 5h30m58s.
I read 8h04m40s
